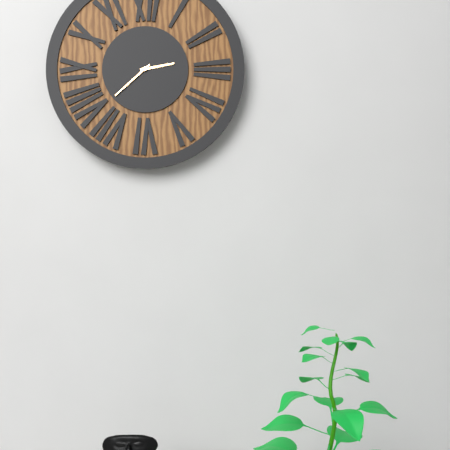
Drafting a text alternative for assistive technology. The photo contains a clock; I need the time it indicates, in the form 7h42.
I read 2h38
